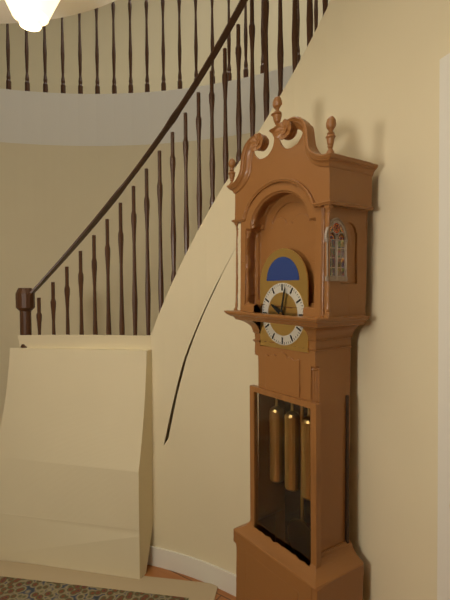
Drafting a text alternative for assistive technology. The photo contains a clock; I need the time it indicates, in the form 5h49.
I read 10h02
